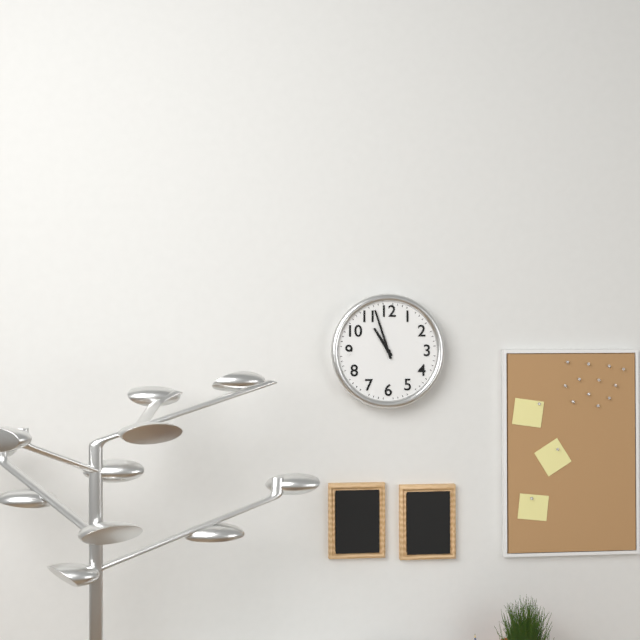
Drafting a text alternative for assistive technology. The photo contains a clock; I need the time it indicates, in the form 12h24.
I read 10h57
